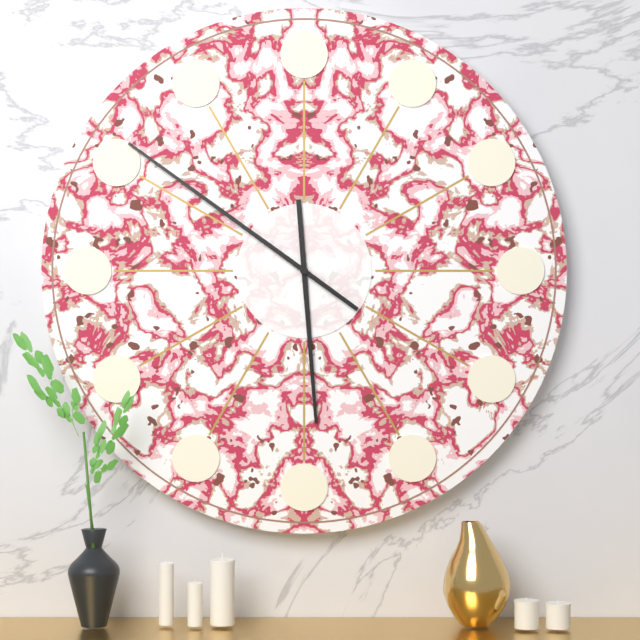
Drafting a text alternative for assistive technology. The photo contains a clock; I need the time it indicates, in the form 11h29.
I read 5h51
